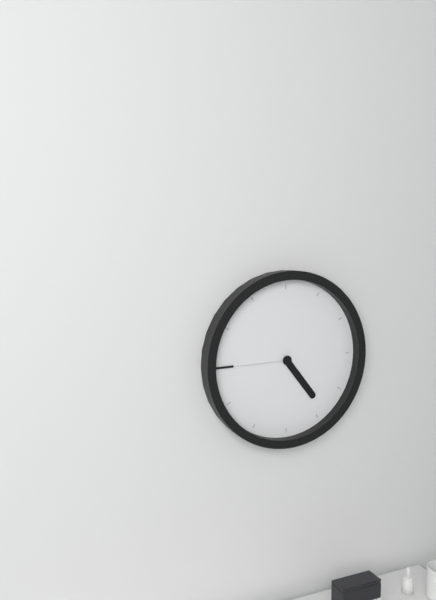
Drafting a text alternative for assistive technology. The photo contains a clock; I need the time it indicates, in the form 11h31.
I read 4h45
